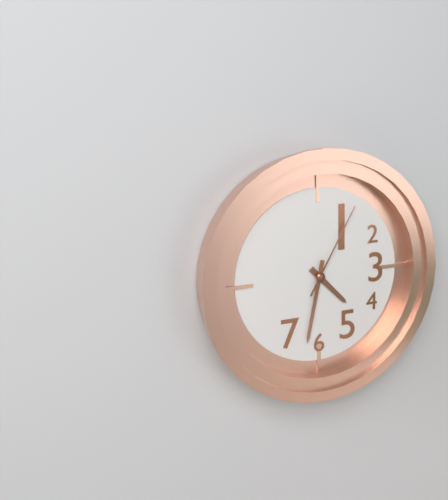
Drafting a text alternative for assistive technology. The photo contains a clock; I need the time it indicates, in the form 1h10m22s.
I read 4h32m05s
